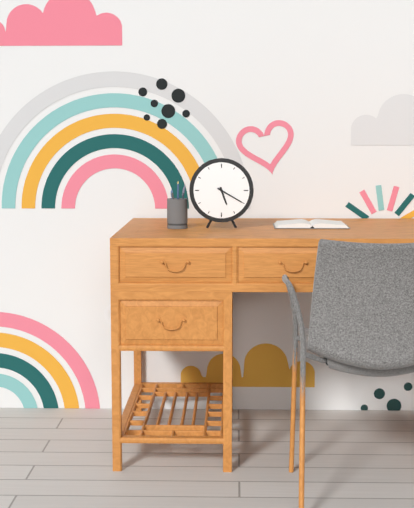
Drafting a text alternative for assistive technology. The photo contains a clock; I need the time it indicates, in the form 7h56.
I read 5h20
